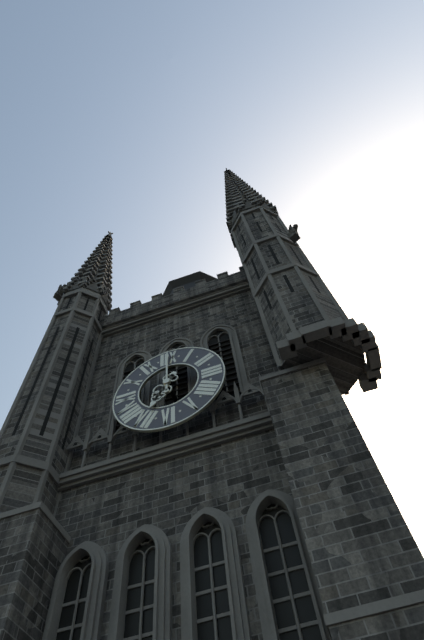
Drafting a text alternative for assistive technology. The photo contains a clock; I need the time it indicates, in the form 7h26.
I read 7h00
